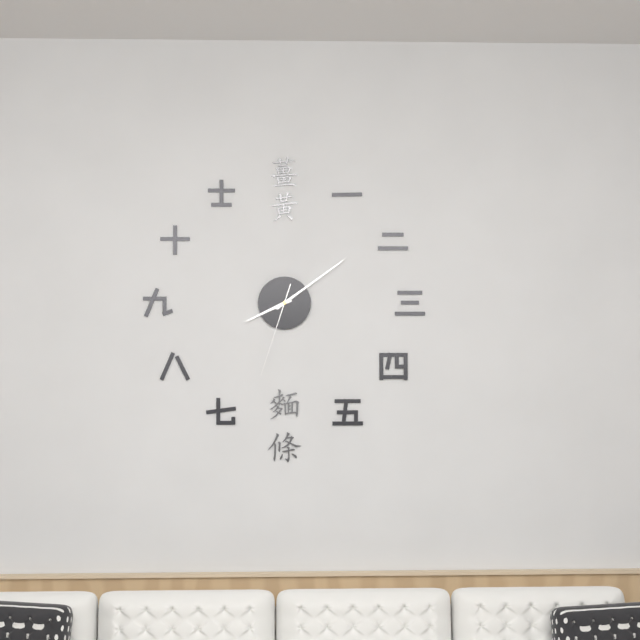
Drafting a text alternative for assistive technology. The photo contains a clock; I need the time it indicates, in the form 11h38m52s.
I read 8h09m33s
